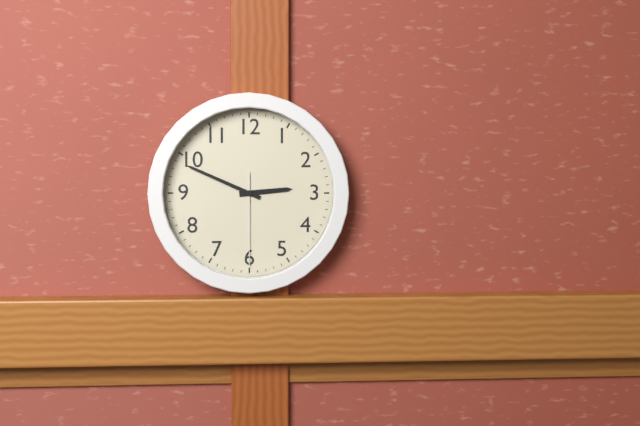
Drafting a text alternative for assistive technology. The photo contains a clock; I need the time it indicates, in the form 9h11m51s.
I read 2h49m30s
